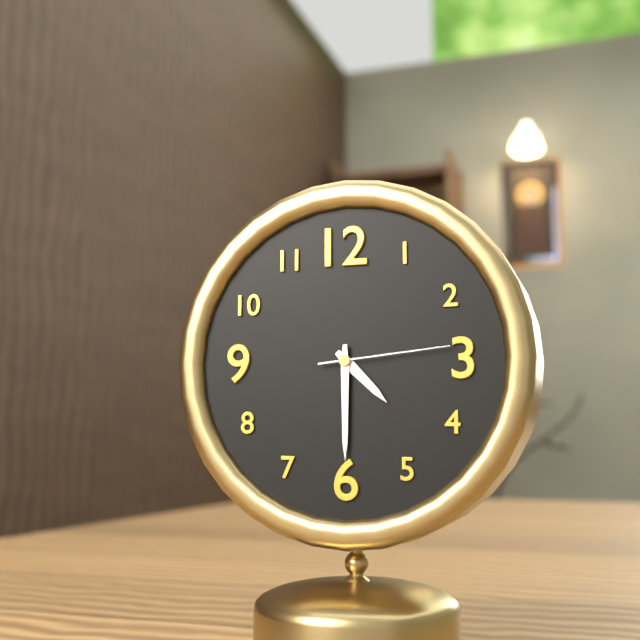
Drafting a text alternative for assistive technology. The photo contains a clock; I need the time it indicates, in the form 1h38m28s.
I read 4h30m14s
